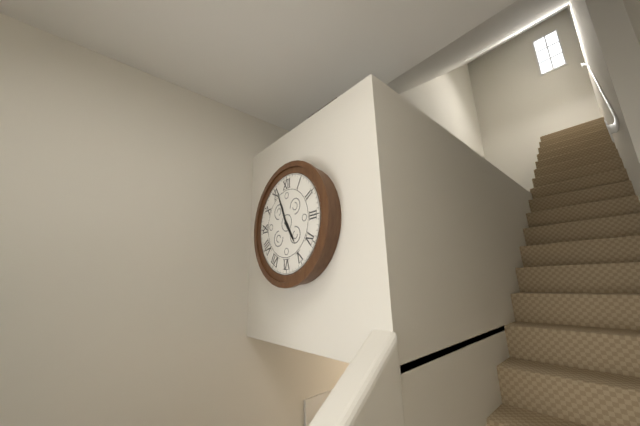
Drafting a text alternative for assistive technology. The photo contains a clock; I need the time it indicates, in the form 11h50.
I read 4h56
